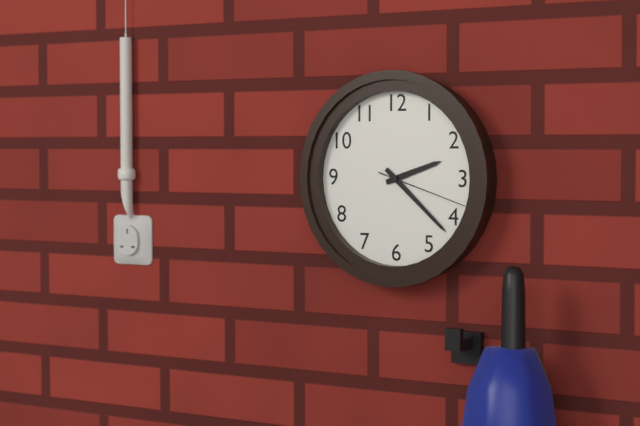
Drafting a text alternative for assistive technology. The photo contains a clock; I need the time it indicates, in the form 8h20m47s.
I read 2h22m18s
